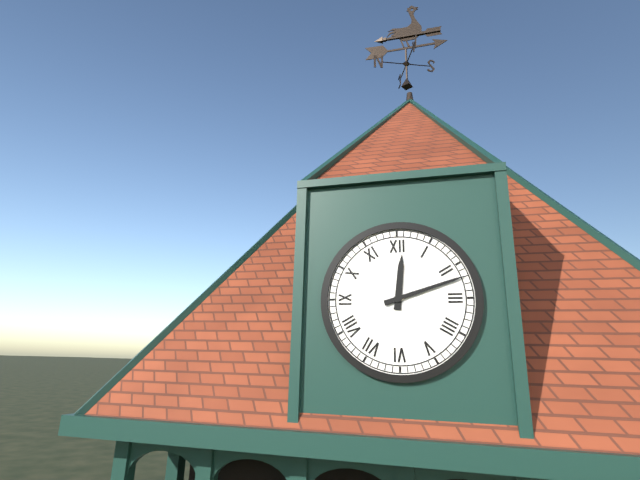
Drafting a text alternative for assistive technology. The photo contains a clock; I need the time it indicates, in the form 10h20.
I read 12h12
